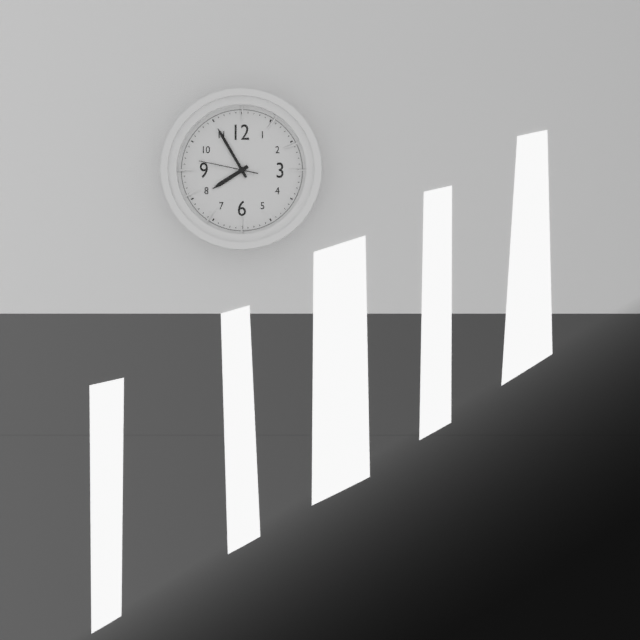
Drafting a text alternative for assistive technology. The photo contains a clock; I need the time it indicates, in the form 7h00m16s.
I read 7h55m47s
